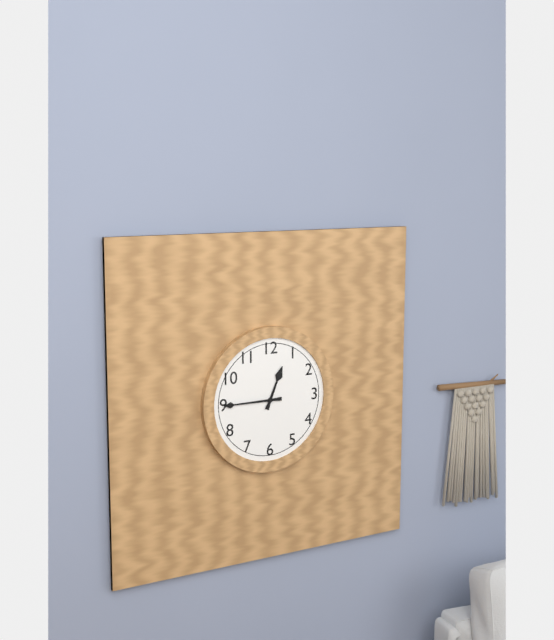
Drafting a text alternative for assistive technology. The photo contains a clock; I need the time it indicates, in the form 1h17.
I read 12h45
